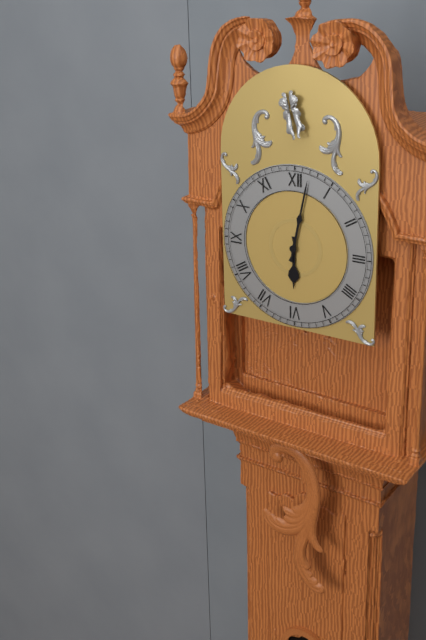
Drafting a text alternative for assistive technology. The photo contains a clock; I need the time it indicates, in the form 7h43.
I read 6h02
